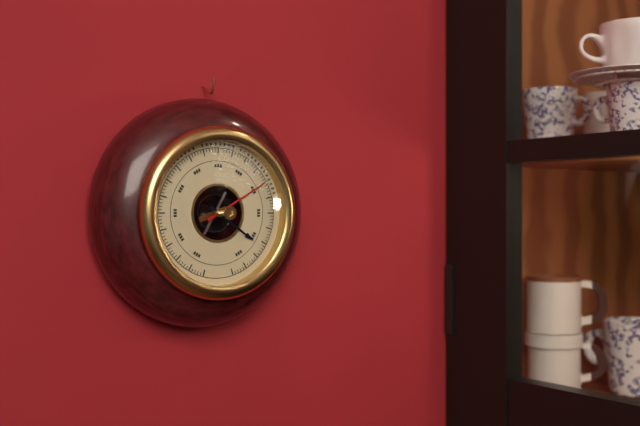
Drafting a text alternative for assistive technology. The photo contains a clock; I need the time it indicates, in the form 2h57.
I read 4h10
